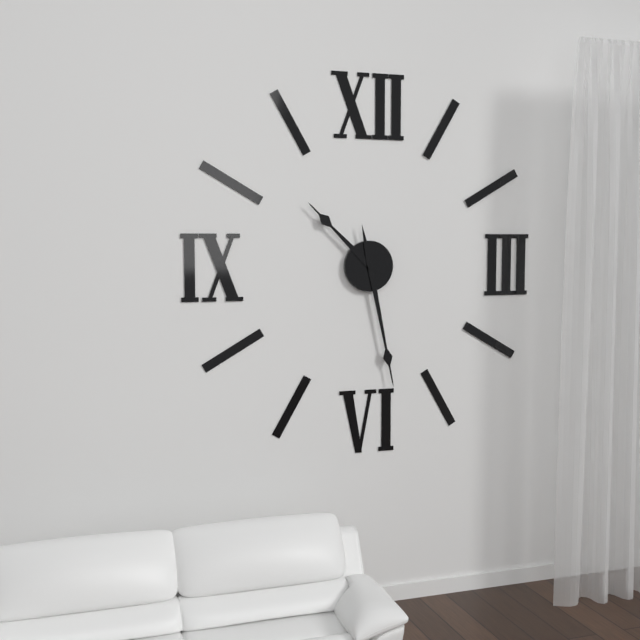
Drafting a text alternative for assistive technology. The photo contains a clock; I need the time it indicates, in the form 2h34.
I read 10h28
